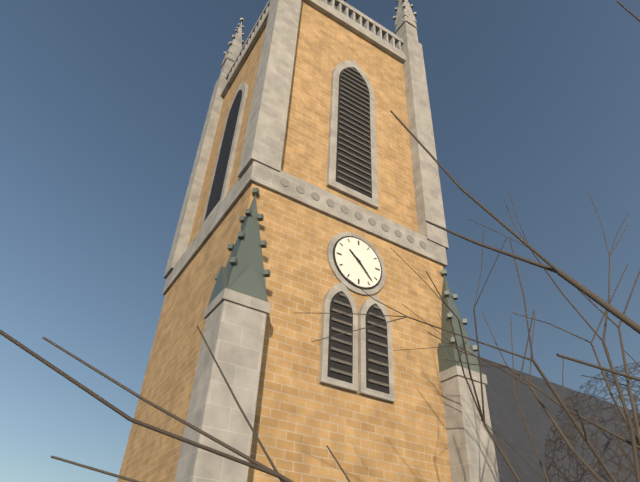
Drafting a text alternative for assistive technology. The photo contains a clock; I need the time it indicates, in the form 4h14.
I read 10h23
